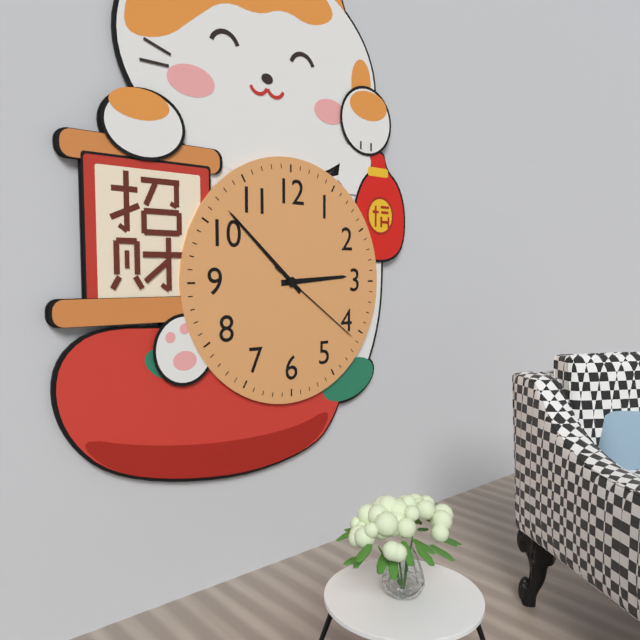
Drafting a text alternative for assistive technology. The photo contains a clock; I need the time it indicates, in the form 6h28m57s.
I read 2h52m21s
